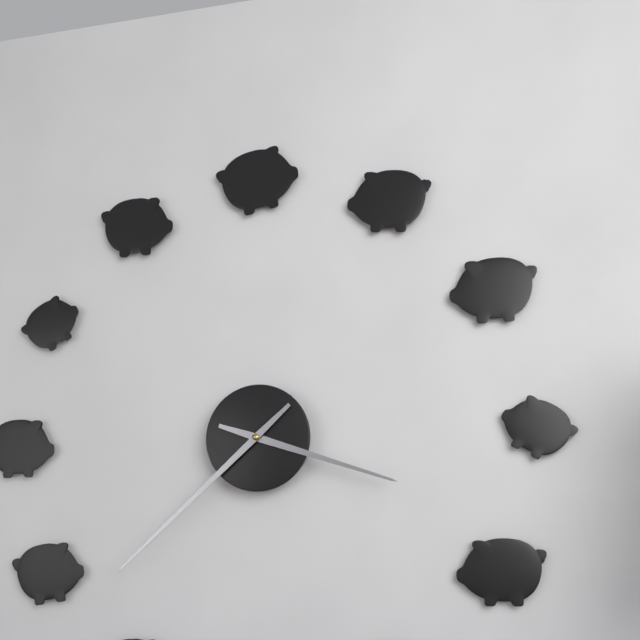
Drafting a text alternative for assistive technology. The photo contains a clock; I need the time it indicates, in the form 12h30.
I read 3h38
